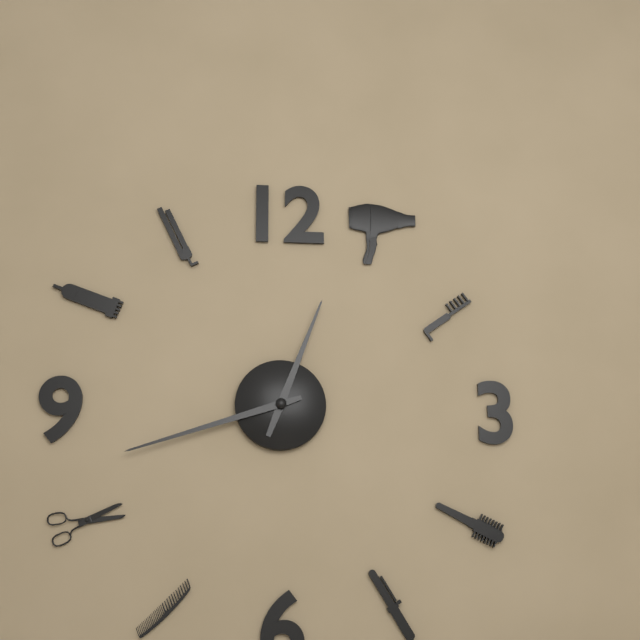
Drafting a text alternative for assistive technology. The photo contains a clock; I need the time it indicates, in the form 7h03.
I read 12h42
